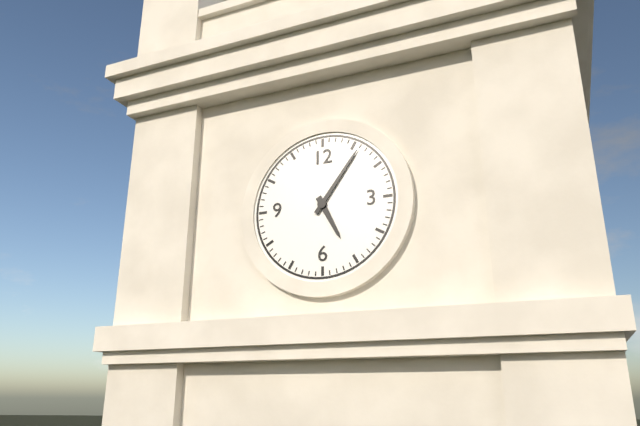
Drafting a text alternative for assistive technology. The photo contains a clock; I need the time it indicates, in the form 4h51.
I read 5h06
